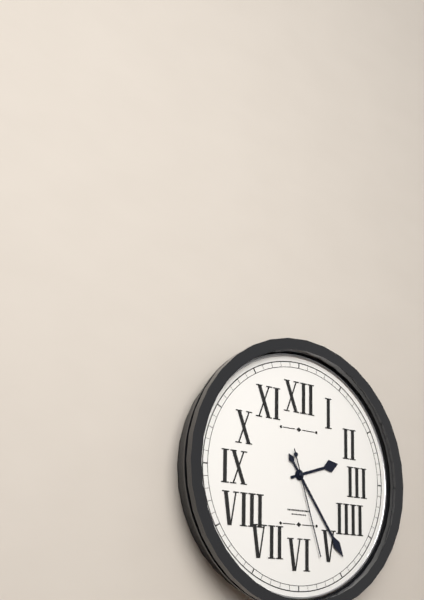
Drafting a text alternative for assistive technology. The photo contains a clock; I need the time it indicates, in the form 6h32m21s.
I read 2h24m27s
